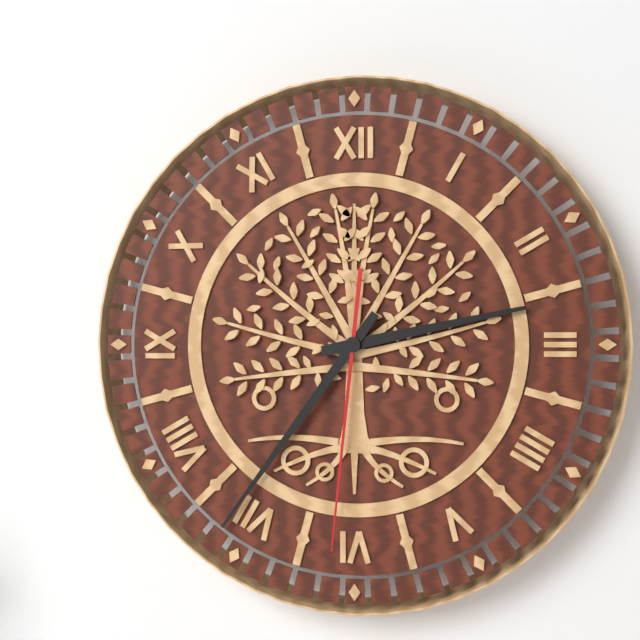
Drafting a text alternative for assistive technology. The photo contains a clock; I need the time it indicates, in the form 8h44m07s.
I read 2h36m31s
